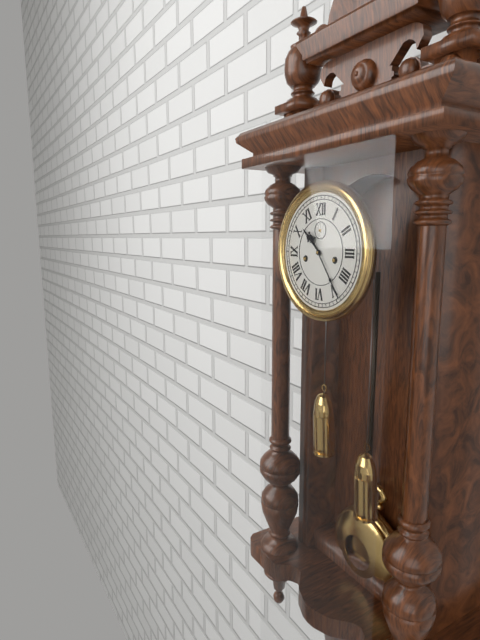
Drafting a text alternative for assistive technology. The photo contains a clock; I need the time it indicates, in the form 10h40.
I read 10h24
